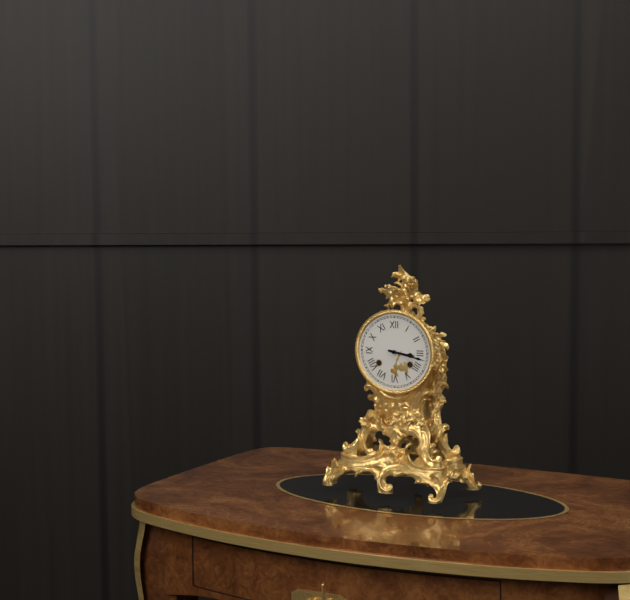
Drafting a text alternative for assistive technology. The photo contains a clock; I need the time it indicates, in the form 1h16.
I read 3h17
